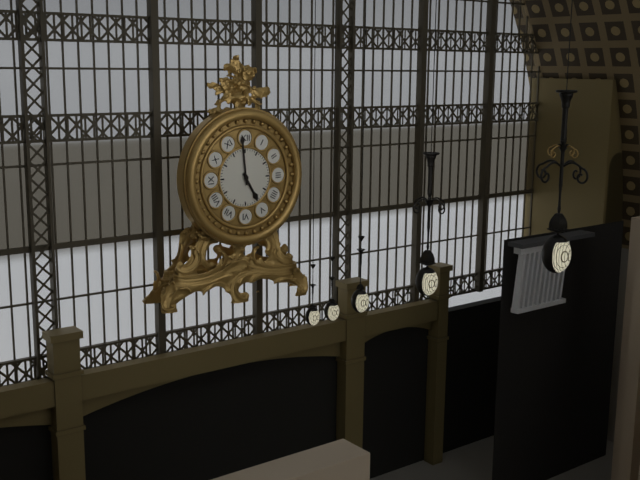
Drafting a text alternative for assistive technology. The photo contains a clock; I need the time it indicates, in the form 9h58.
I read 4h59
